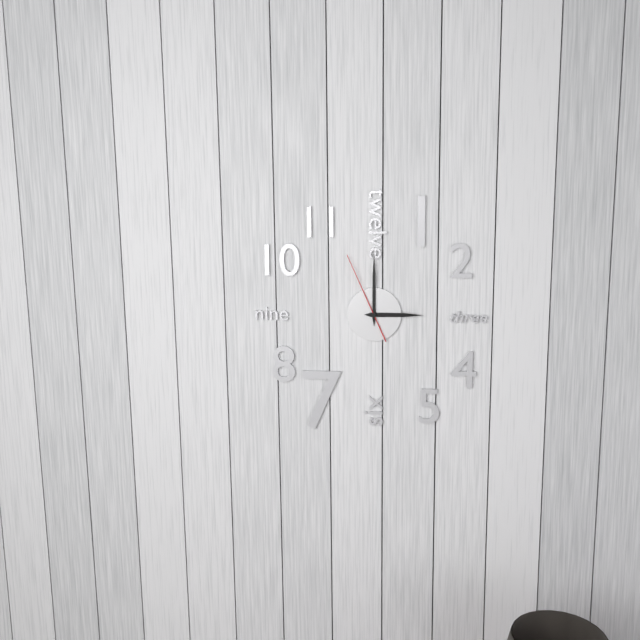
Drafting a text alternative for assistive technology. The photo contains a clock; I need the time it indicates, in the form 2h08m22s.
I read 3h00m56s
